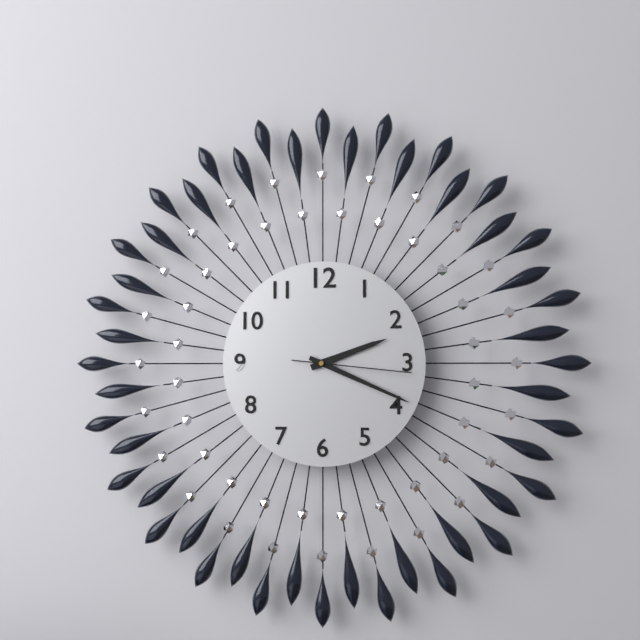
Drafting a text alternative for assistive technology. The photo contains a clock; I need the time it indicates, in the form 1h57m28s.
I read 2h19m16s
